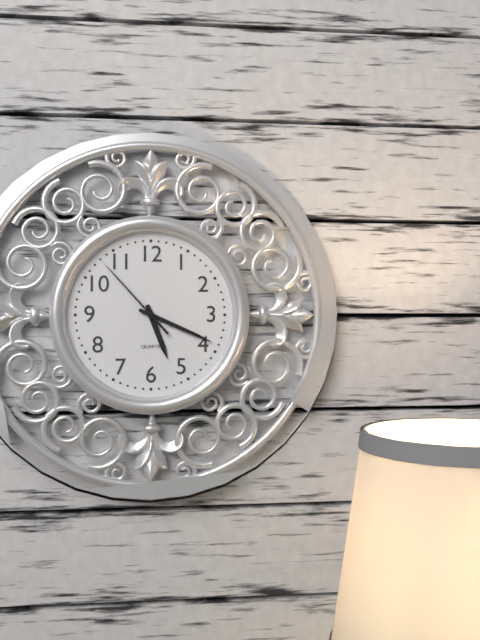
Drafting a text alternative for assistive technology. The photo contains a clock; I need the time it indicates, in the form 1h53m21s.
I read 5h19m53s
